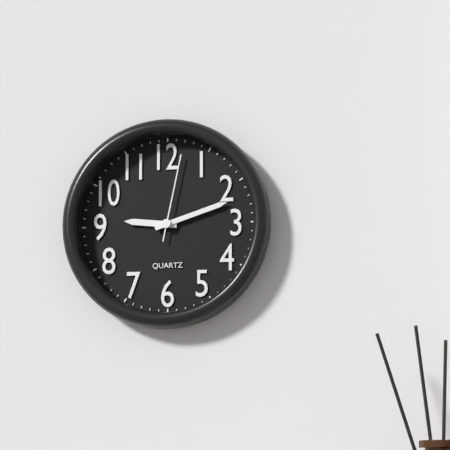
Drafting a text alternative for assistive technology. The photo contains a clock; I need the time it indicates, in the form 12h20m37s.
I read 9h12m02s
